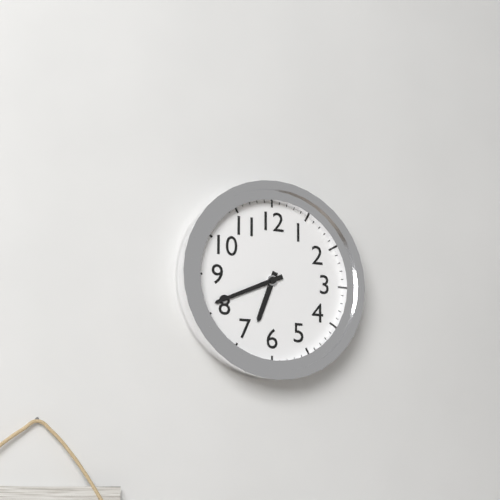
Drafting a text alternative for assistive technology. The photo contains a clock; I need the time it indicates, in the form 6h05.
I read 6h41
